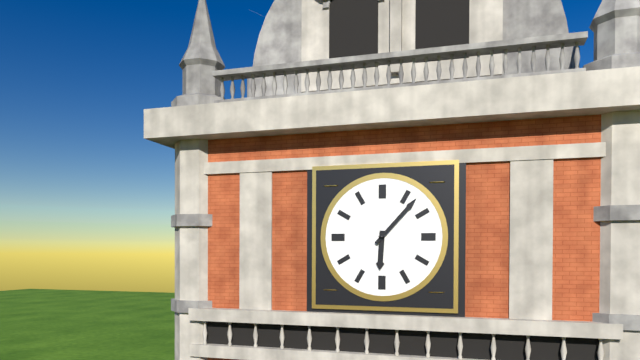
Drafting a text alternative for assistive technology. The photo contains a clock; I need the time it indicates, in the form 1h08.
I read 6h07
